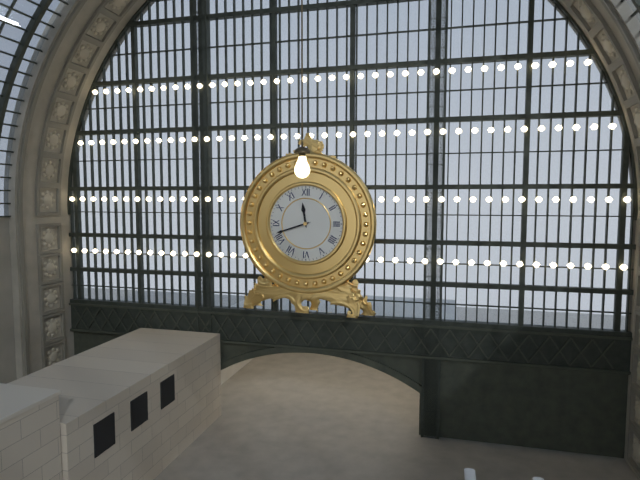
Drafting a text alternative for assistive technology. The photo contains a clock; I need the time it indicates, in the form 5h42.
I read 11h42
